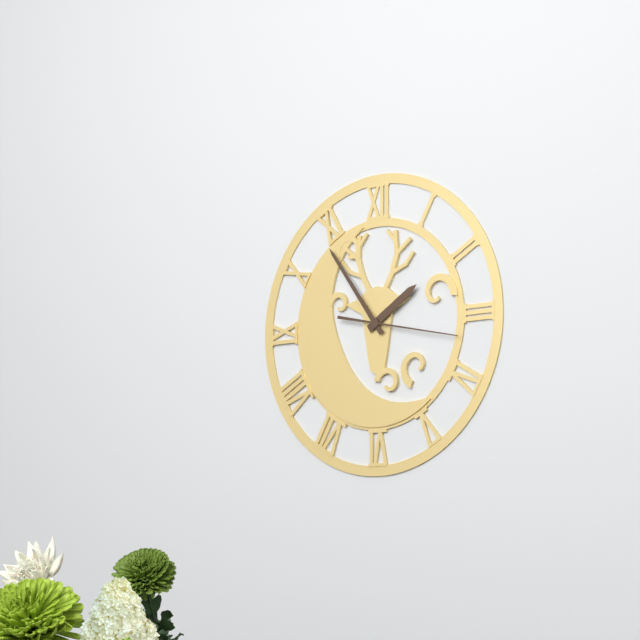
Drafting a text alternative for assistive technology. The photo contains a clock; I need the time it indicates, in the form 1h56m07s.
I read 1h54m17s
